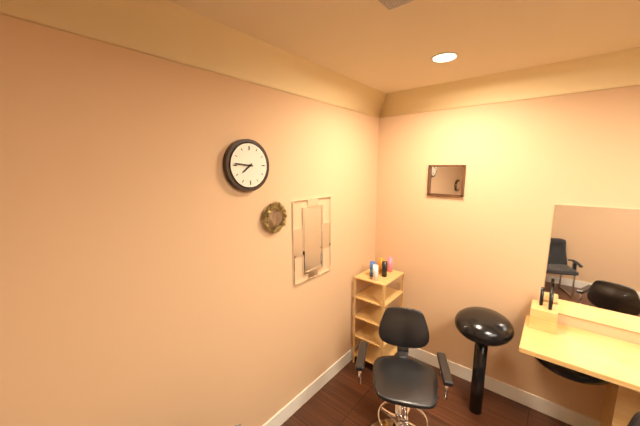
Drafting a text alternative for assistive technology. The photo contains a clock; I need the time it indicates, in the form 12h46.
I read 7h46
